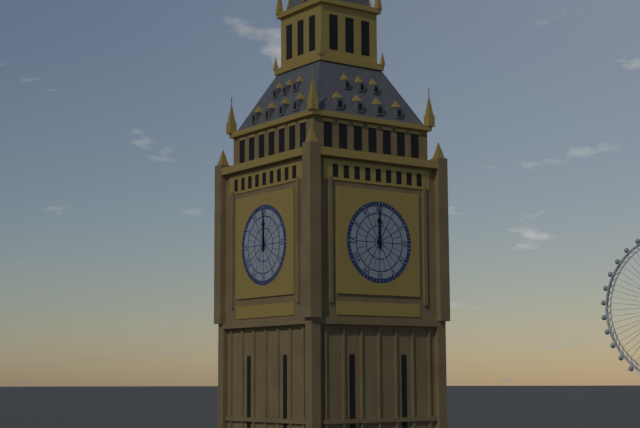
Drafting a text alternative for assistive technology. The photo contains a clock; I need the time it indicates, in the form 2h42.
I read 12h00
